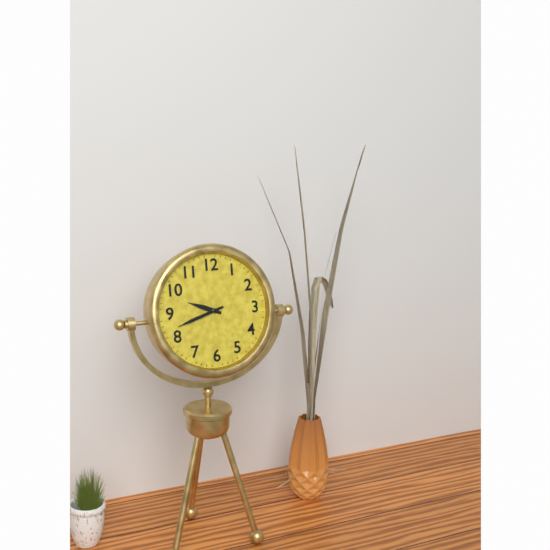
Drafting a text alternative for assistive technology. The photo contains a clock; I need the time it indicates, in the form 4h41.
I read 9h42
